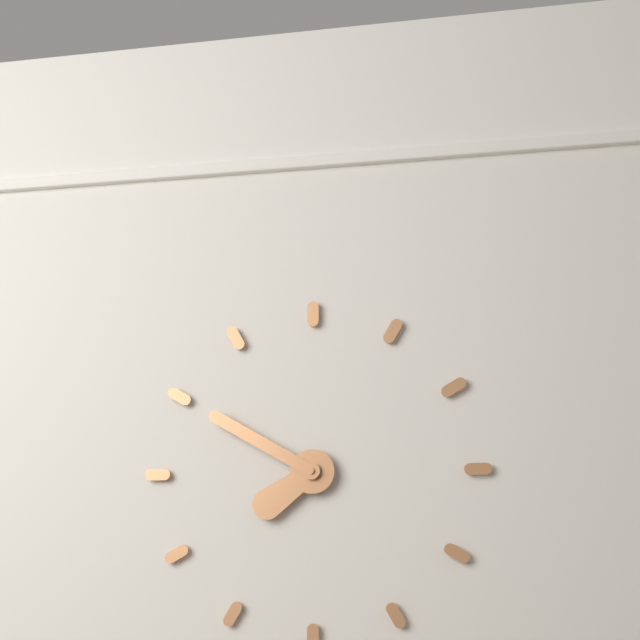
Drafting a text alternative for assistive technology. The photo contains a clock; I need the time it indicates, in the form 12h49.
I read 7h50
